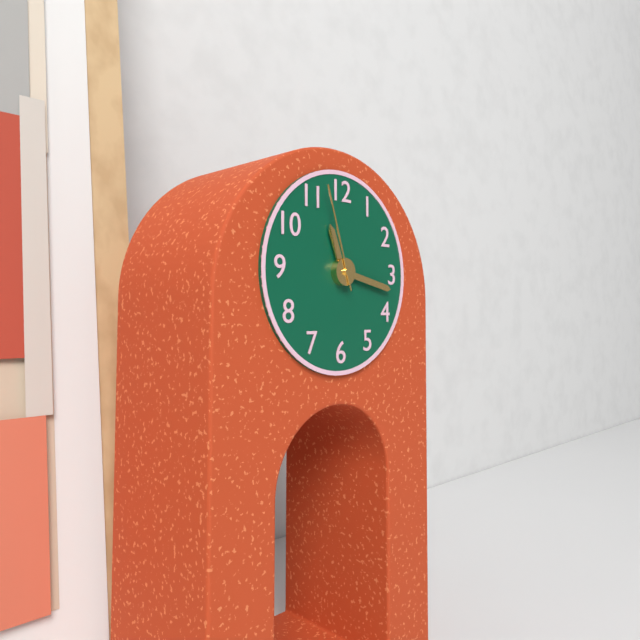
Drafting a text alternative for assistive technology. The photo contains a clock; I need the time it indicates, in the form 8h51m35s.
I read 11h17m57s
